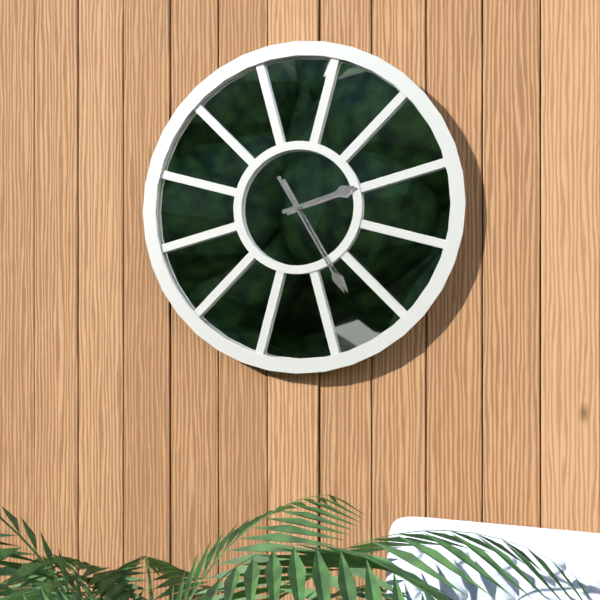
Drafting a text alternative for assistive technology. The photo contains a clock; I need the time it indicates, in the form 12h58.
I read 2h25
